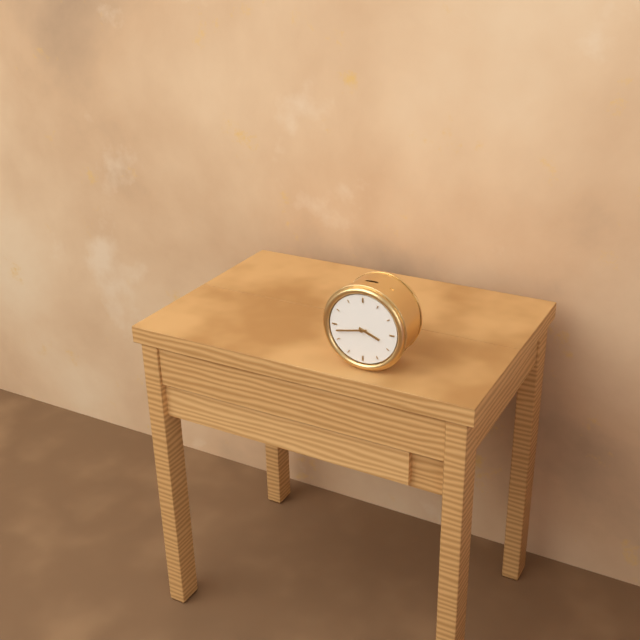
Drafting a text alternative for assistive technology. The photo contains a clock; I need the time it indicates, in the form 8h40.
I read 3h43
